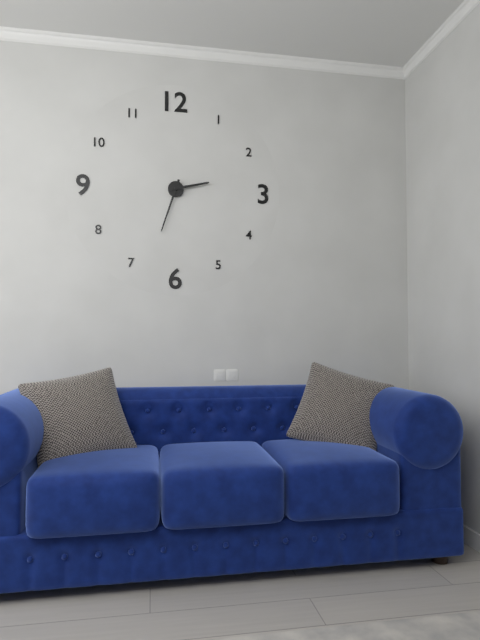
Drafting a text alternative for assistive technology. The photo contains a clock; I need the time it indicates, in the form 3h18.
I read 2h33
